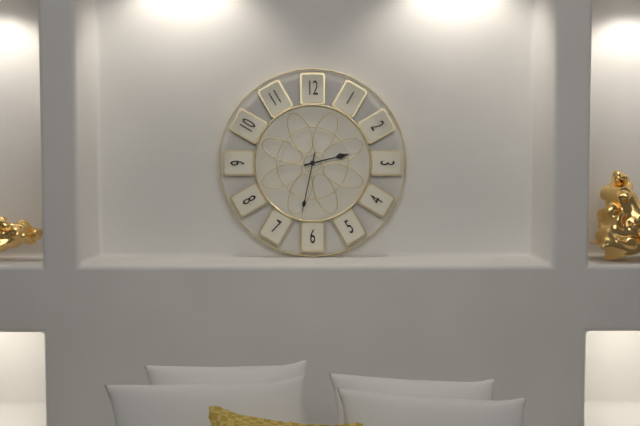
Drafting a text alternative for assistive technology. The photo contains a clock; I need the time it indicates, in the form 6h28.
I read 2h32
